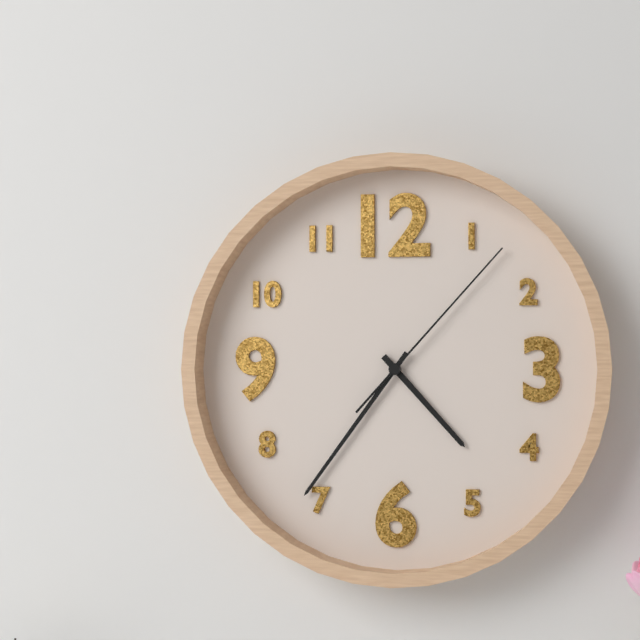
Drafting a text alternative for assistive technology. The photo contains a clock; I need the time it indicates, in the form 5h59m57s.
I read 4h36m07s
